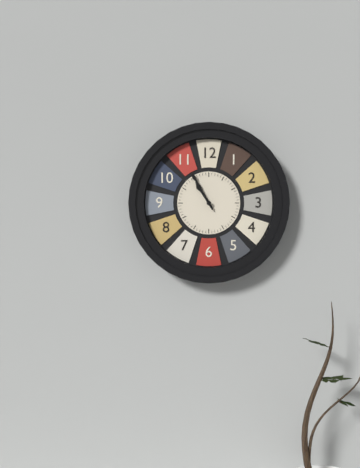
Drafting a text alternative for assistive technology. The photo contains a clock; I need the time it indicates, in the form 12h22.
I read 10h55
